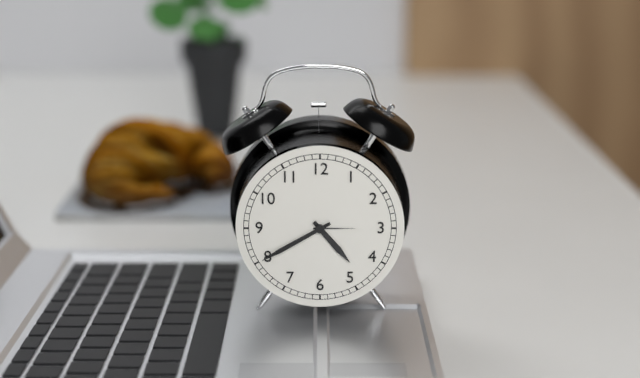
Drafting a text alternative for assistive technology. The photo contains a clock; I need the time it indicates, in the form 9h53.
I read 4h40
